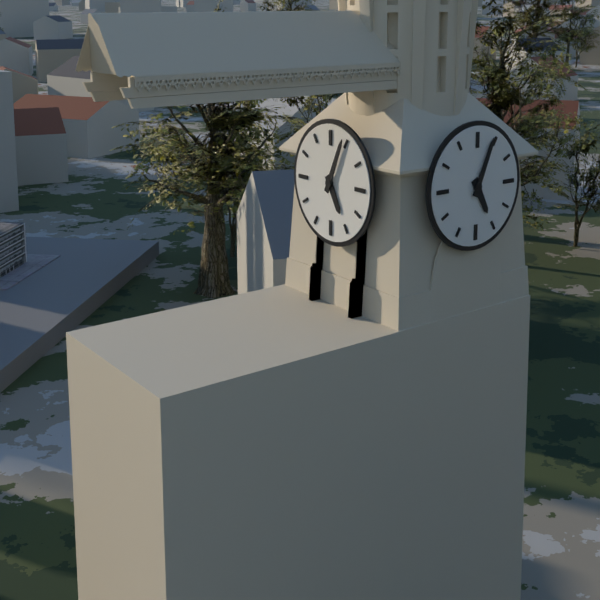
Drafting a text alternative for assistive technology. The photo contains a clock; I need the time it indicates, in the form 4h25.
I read 5h04
